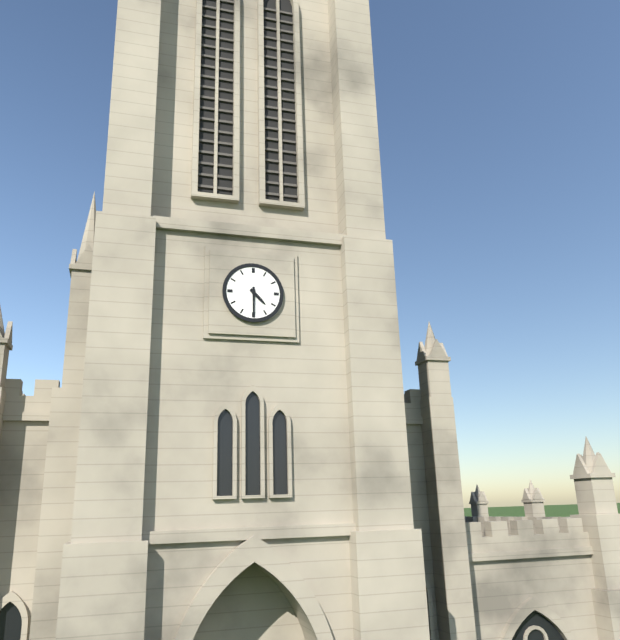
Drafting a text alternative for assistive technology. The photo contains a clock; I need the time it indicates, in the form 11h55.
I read 4h30
